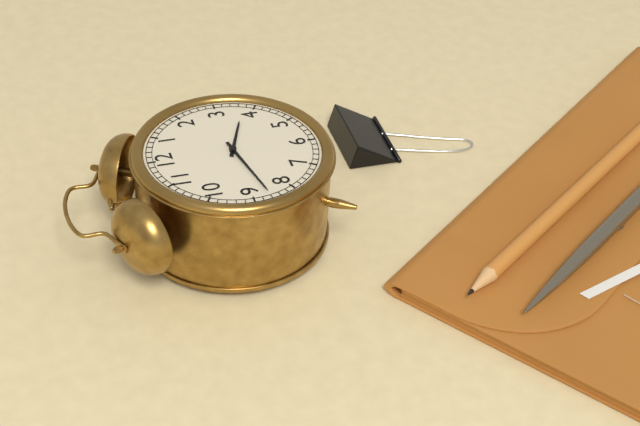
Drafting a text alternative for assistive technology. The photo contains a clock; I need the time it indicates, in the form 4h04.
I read 3h43
